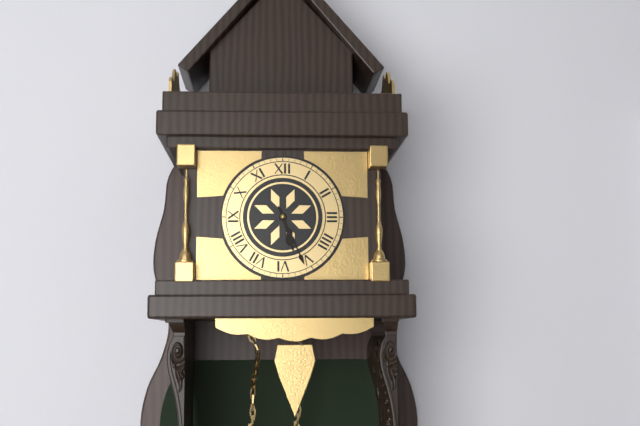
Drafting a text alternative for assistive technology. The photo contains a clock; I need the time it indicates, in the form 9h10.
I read 5h26
